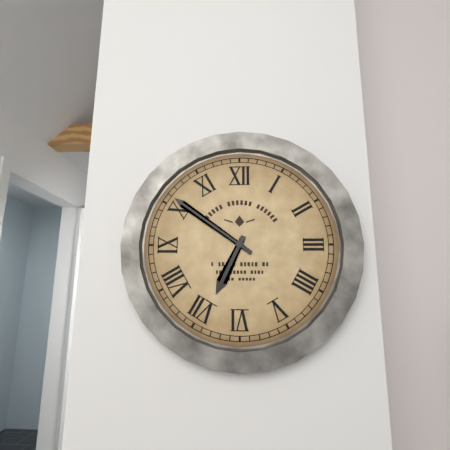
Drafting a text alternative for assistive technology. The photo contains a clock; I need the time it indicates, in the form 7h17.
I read 6h51
